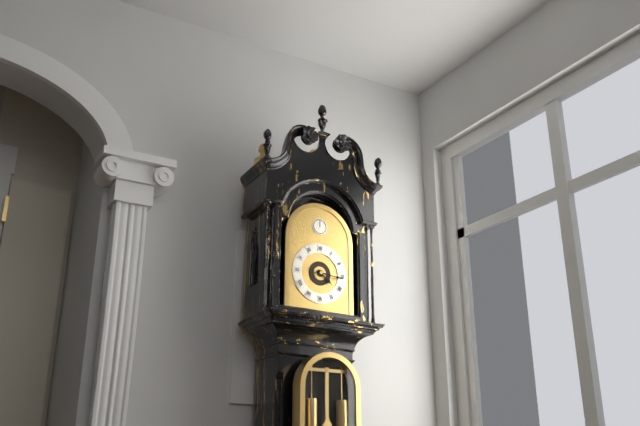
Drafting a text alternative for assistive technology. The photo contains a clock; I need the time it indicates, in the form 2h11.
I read 4h16
